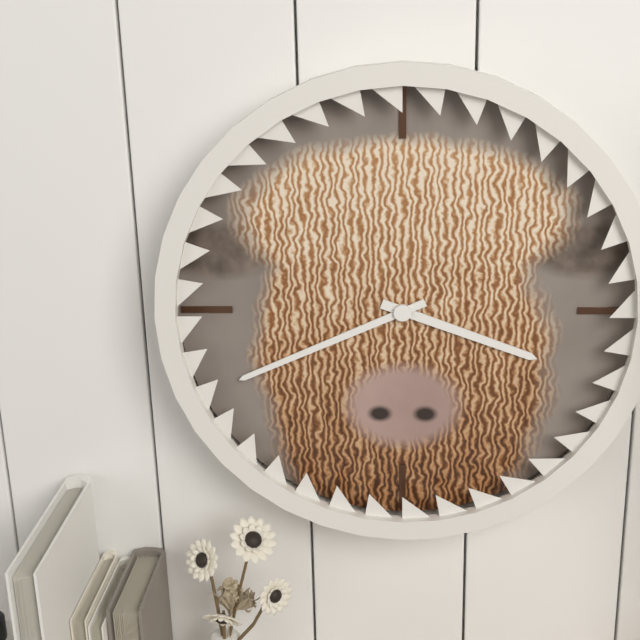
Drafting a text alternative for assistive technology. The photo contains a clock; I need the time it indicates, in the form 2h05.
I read 3h41
